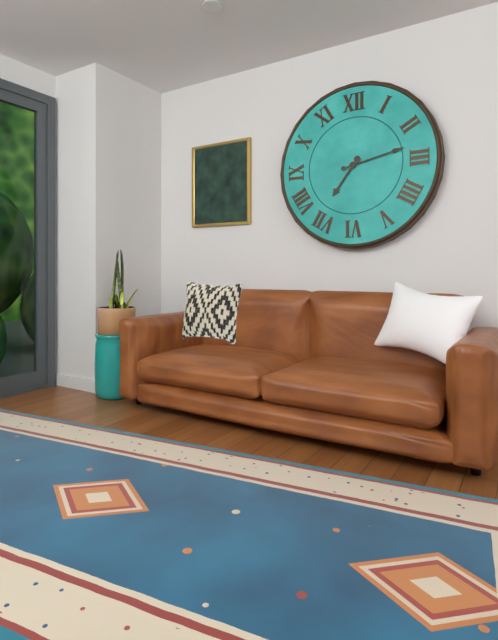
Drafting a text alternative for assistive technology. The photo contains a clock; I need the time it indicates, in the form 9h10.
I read 7h13
